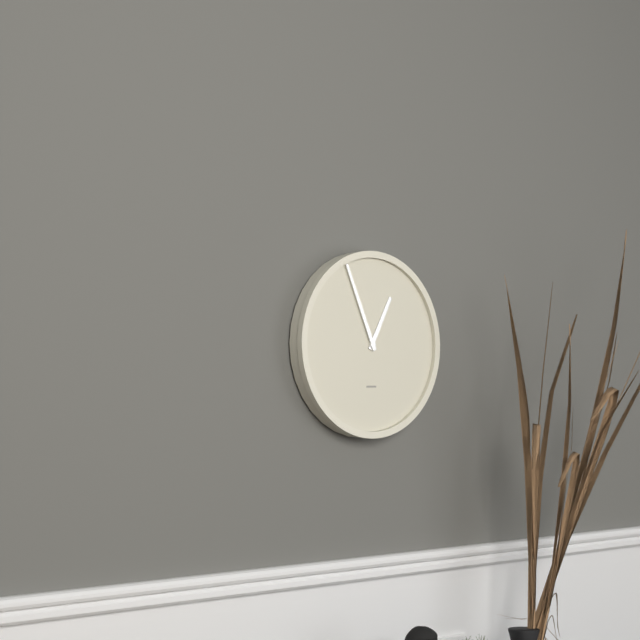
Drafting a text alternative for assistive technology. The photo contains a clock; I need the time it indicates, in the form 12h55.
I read 12h56
